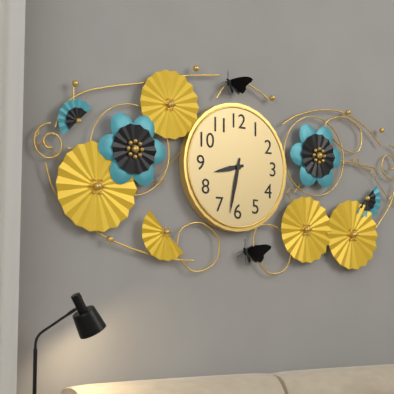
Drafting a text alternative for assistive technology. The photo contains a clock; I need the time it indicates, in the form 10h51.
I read 8h32
